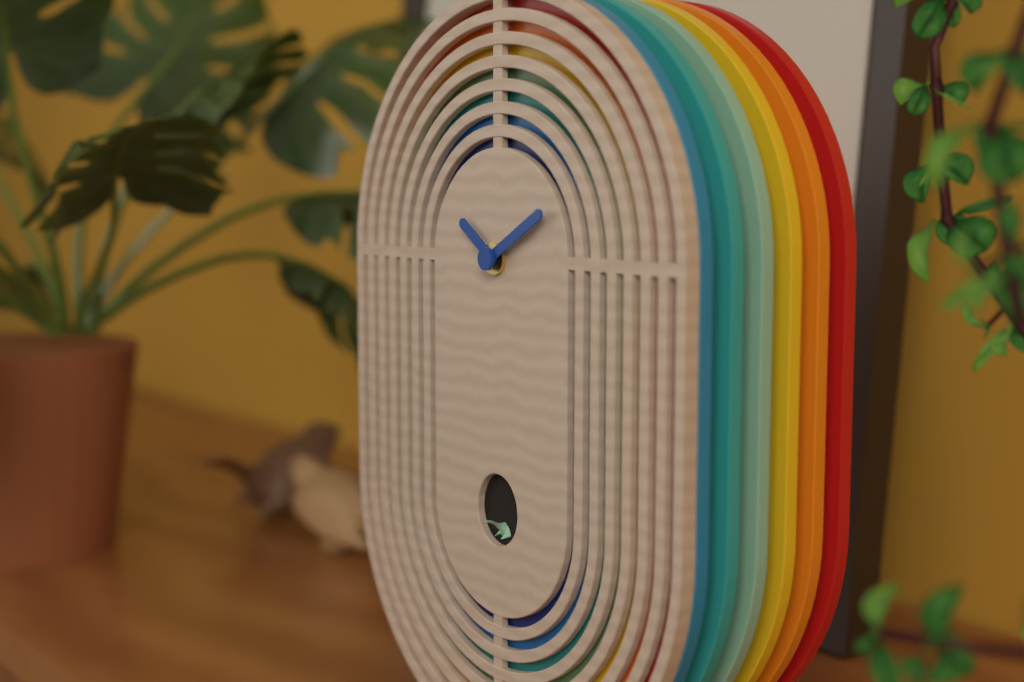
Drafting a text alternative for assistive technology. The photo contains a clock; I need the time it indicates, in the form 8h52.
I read 10h10
